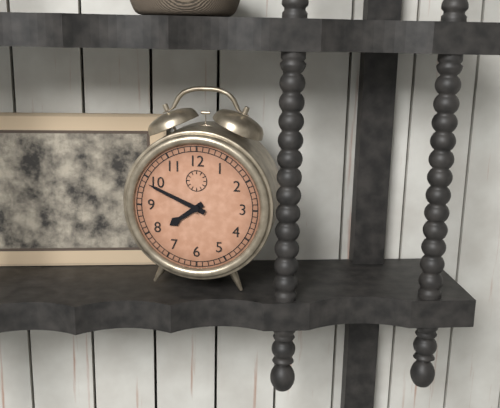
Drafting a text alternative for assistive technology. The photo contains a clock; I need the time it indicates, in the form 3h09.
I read 7h49
